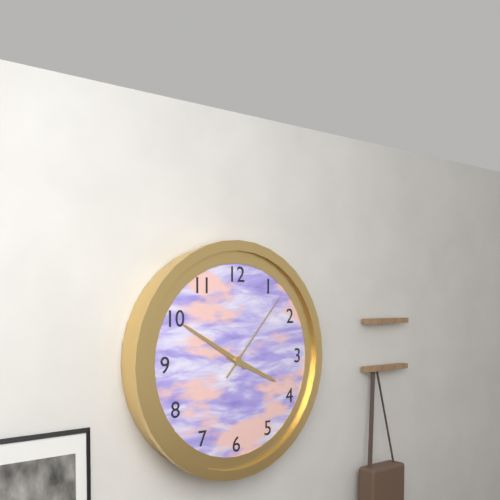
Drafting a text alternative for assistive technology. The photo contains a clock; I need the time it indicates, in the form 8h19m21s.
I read 3h50m07s
